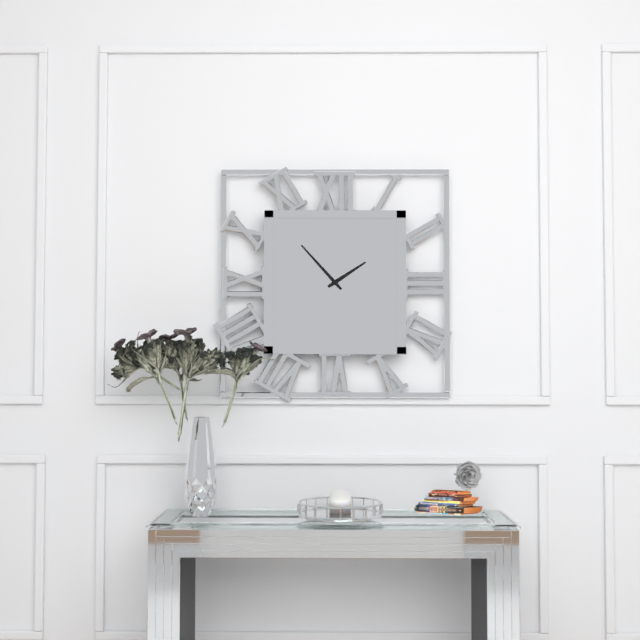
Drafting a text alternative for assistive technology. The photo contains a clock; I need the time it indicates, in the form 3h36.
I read 1h53
